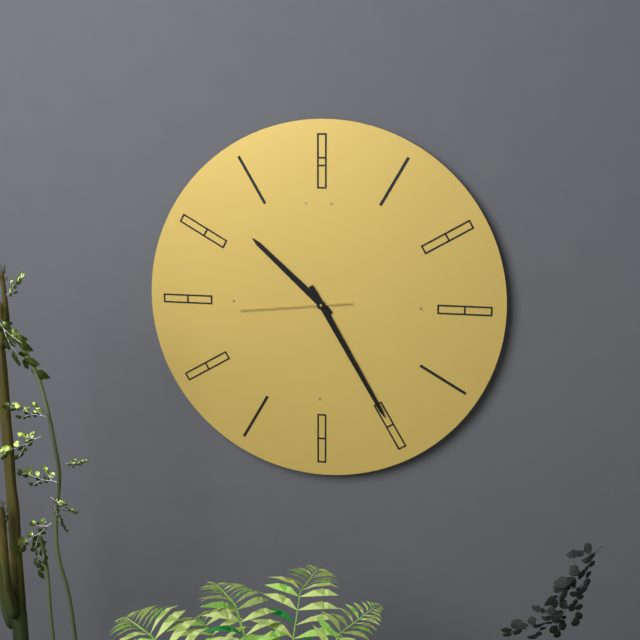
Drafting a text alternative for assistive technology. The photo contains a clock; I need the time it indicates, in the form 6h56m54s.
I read 10h25m44s
